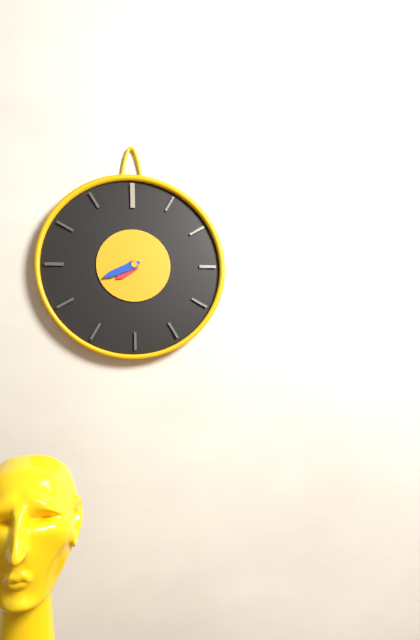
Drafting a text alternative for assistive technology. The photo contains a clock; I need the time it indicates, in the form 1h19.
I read 7h41
